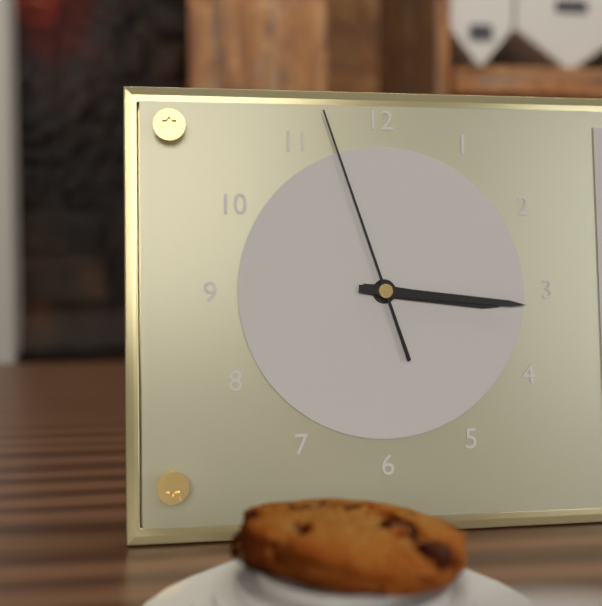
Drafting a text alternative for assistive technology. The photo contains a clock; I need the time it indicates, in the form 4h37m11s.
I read 3h16m57s
